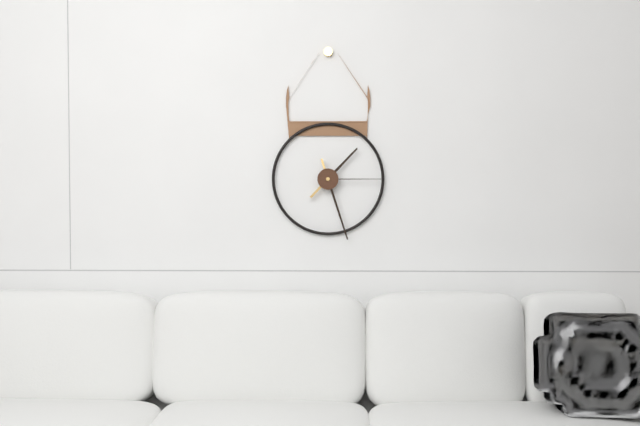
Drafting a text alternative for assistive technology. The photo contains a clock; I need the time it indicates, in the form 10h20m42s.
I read 1h27m15s
